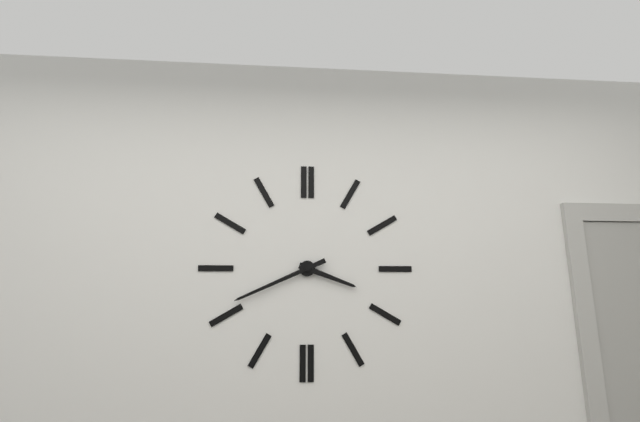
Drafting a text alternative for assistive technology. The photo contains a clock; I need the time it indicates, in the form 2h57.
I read 3h41
